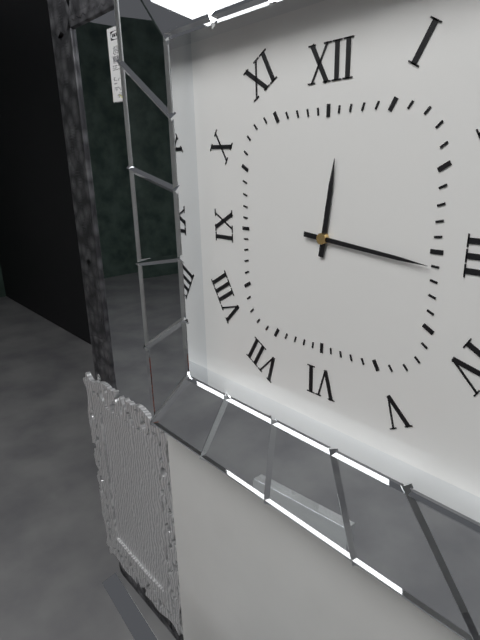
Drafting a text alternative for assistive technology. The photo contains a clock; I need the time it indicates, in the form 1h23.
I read 12h16
